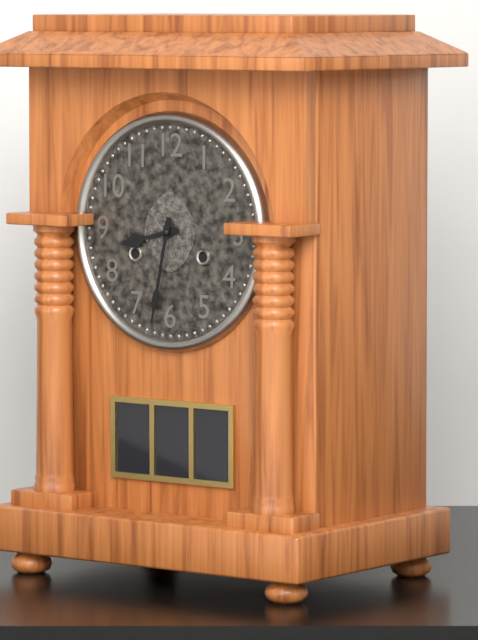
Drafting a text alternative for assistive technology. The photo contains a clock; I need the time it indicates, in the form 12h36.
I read 8h32
